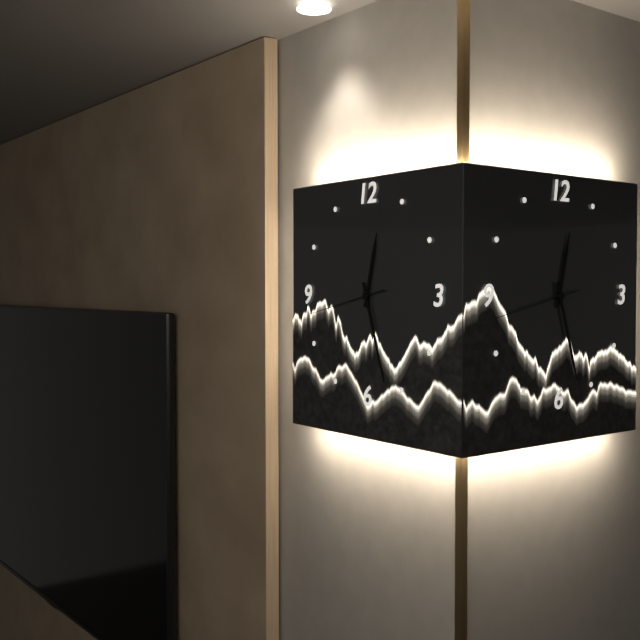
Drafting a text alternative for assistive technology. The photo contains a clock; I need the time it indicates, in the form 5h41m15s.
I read 12h27m43s
